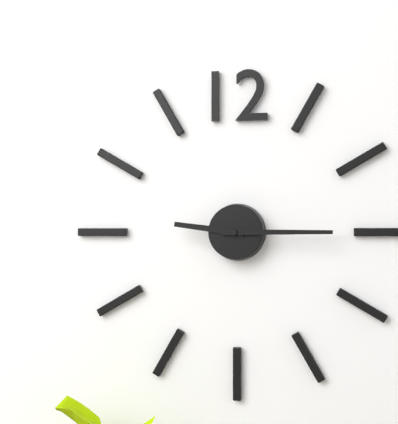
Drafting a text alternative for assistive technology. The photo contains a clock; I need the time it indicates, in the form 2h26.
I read 9h15
